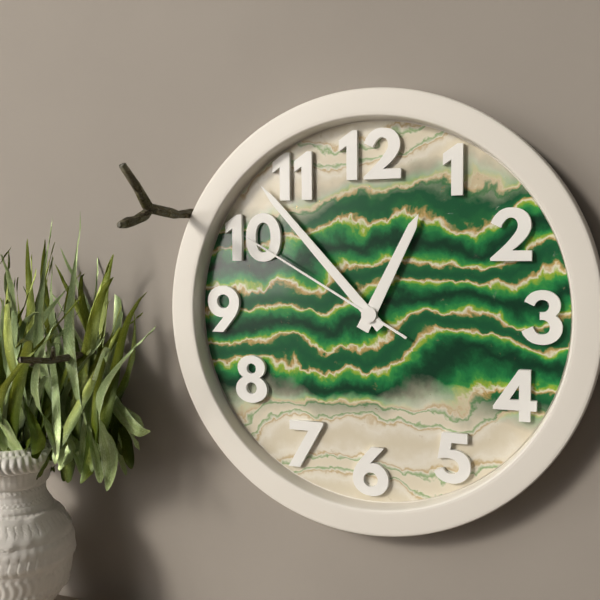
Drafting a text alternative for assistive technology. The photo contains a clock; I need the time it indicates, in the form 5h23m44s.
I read 12h53m50s
